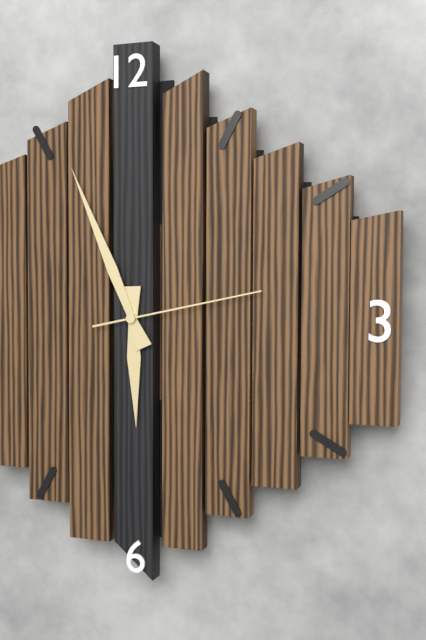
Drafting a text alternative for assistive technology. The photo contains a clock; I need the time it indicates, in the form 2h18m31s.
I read 5h56m13s
